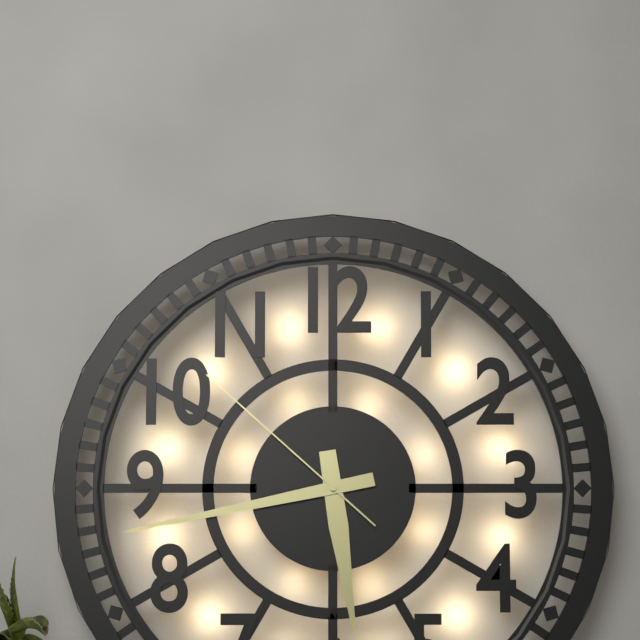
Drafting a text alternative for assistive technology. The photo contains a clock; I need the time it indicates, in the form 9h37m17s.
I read 5h43m52s
